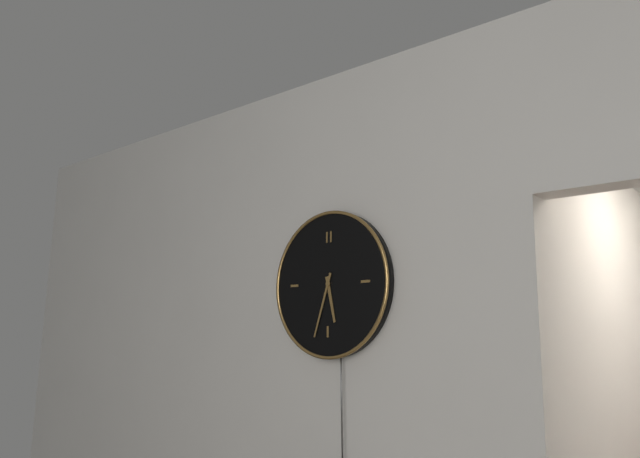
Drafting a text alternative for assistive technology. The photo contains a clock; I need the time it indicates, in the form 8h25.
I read 5h33
